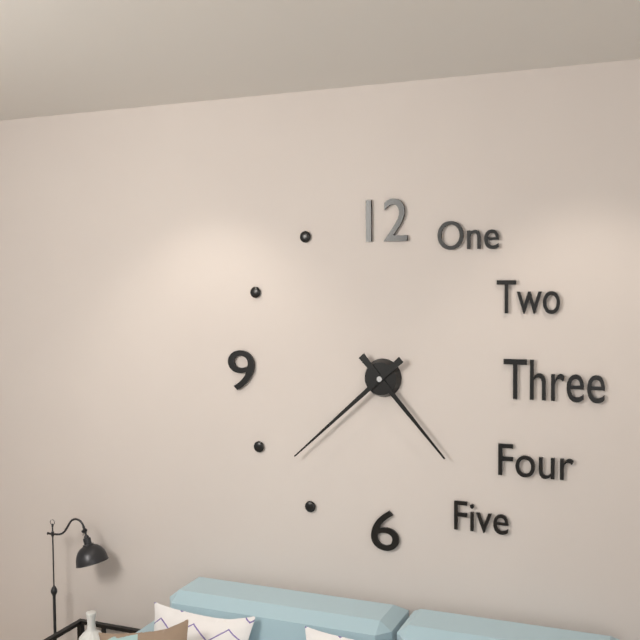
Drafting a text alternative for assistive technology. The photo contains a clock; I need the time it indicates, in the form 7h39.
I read 4h38
